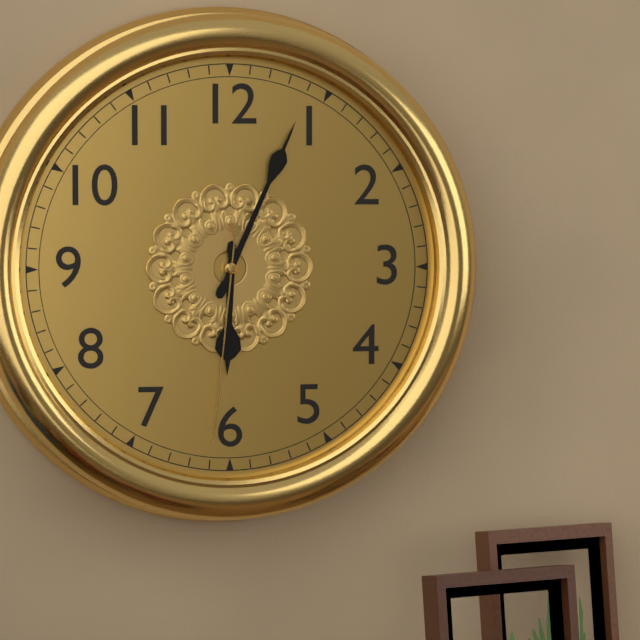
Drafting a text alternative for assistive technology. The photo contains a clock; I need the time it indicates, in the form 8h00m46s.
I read 6h04m31s
